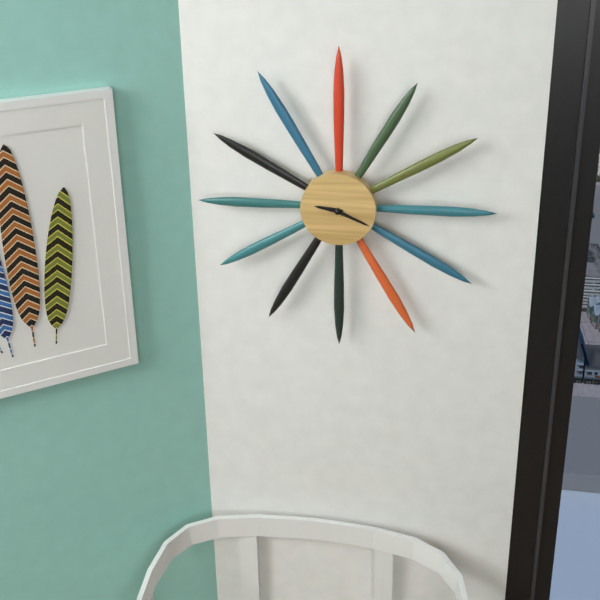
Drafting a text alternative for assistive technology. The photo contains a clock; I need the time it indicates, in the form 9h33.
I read 9h19
